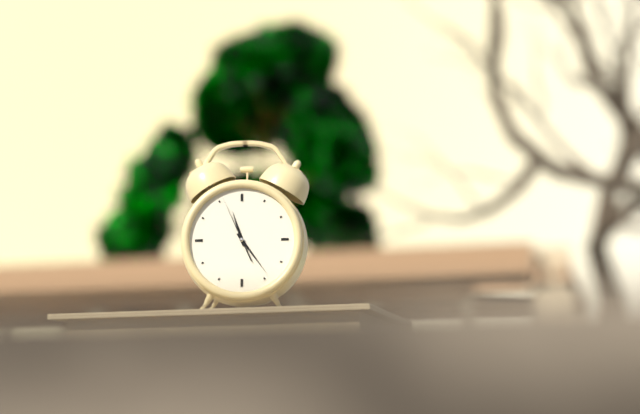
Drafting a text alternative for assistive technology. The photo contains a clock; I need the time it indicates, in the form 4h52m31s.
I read 11h24m56s
